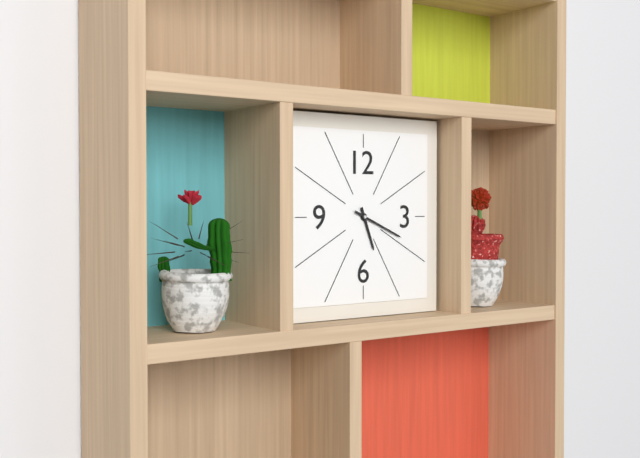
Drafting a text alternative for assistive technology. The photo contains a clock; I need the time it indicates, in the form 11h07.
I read 5h19
